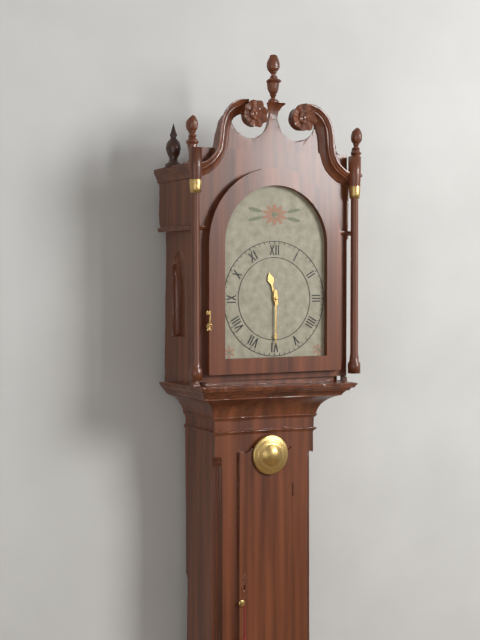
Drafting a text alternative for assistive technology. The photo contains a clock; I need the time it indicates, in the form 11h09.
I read 11h30
